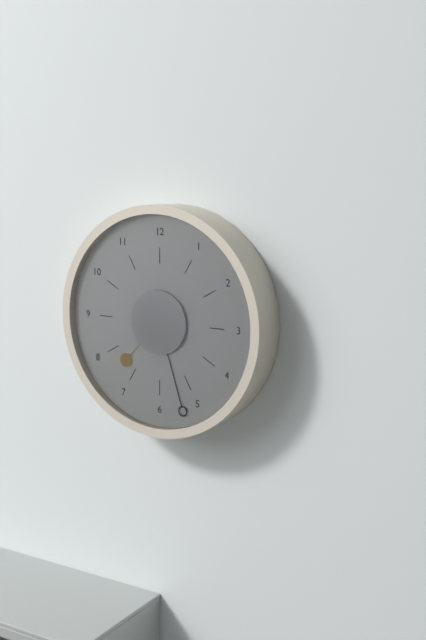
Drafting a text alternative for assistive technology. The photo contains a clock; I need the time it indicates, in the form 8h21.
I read 7h27
